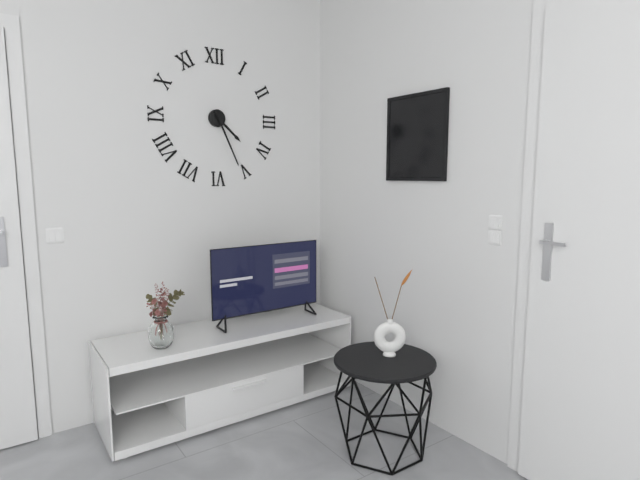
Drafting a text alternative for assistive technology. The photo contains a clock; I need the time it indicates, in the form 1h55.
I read 4h26
